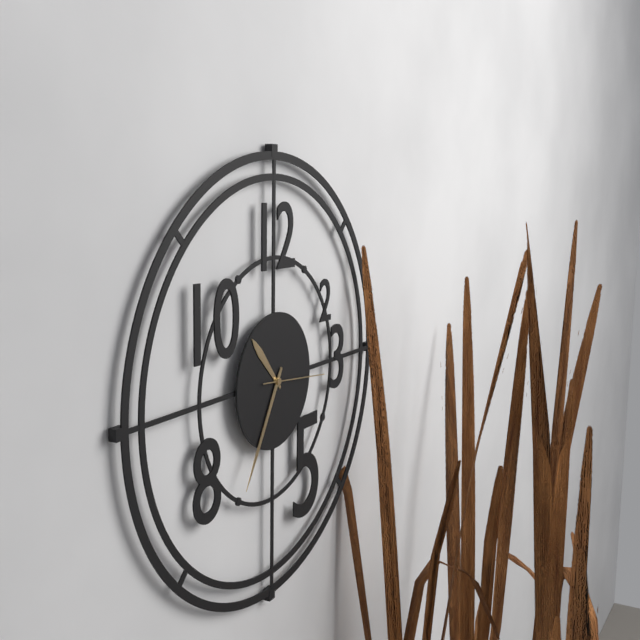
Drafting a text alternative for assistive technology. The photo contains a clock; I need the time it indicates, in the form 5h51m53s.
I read 10h35m16s
